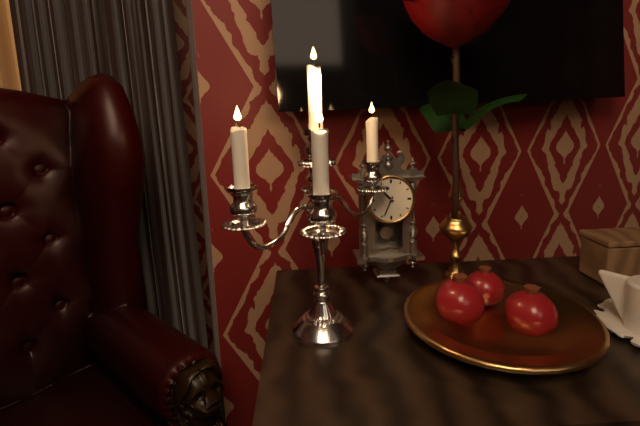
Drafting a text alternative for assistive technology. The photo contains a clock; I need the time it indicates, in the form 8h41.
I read 10h34
